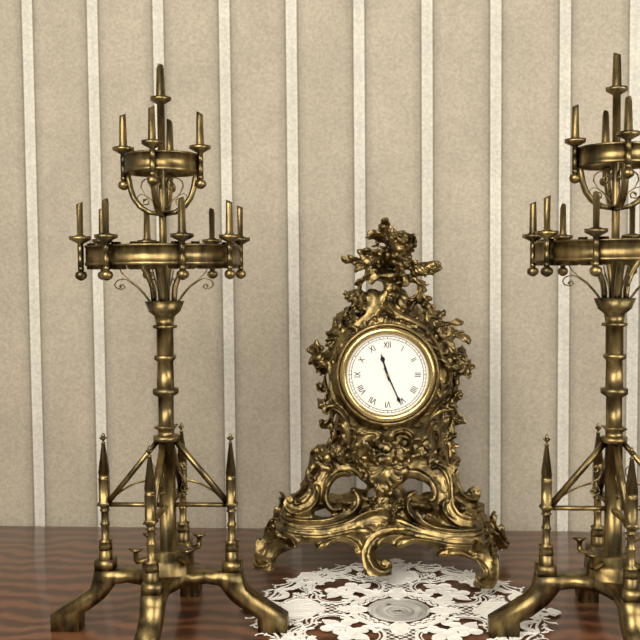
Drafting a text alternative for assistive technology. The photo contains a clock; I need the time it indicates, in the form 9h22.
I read 11h26
